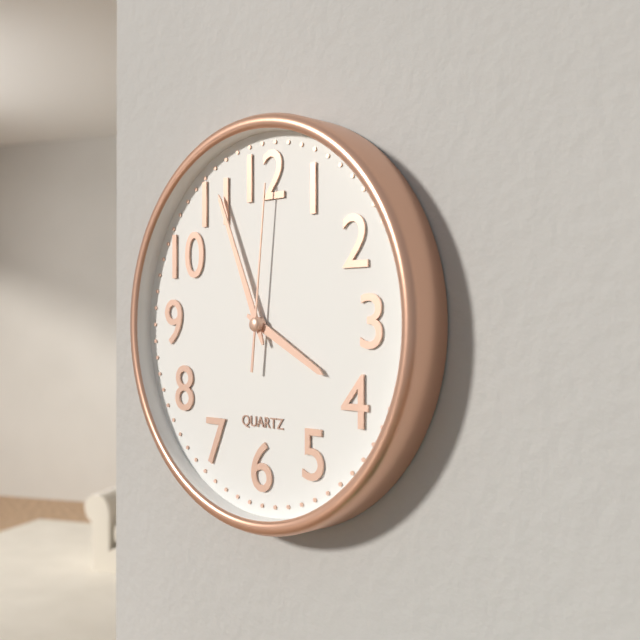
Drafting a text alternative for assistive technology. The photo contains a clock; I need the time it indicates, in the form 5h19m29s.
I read 3h56m01s
